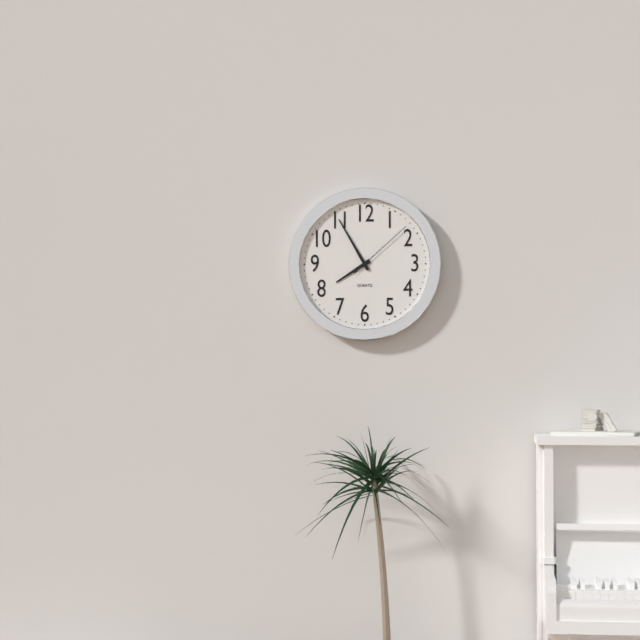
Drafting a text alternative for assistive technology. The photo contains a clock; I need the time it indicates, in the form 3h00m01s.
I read 7h55m08s
